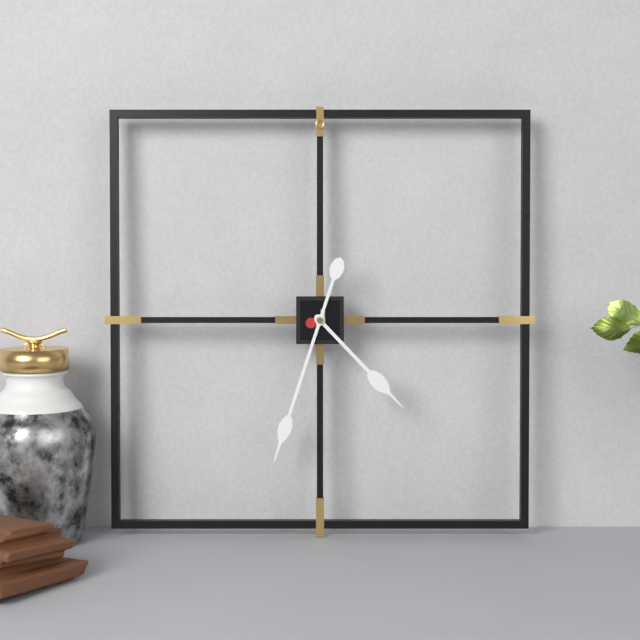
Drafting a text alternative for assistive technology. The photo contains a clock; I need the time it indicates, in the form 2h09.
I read 4h33
